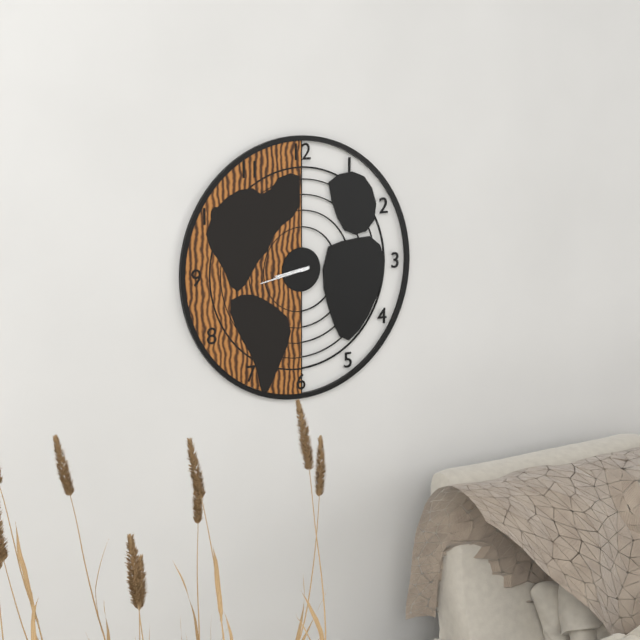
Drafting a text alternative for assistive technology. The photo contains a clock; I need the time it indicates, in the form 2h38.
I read 8h43
